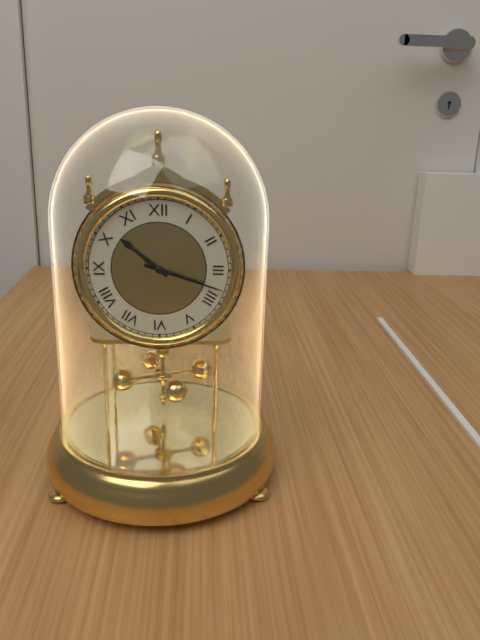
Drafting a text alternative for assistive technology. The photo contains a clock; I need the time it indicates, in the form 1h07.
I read 10h18
